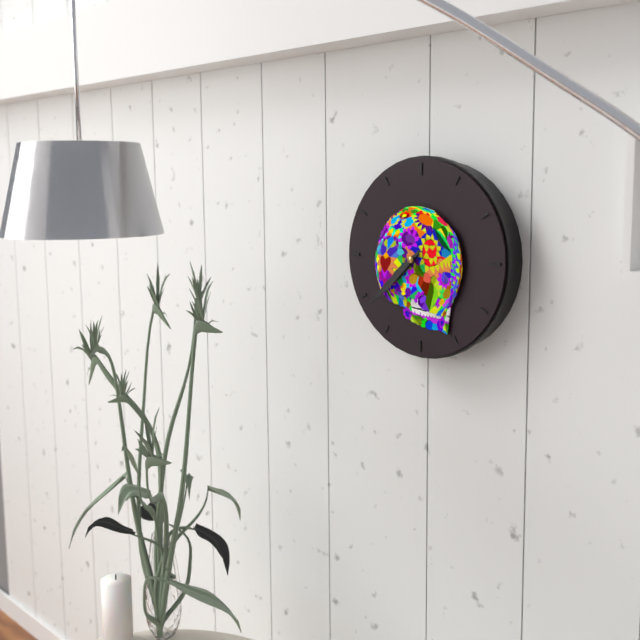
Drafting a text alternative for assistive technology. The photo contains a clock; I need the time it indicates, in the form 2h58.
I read 7h38
